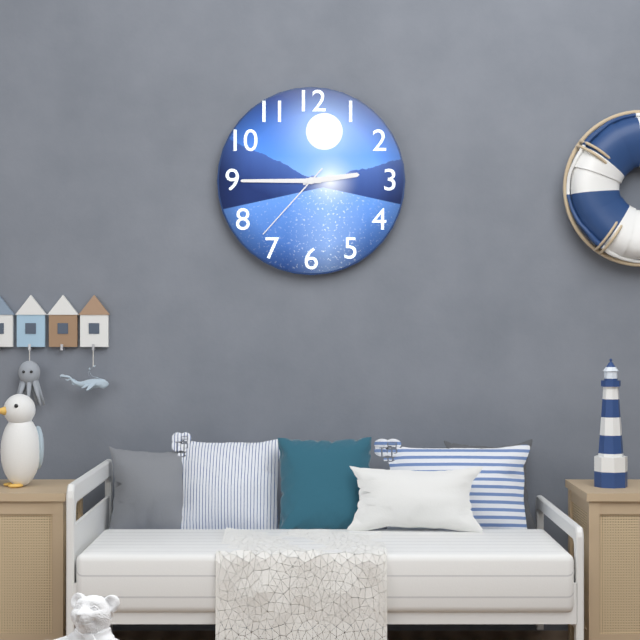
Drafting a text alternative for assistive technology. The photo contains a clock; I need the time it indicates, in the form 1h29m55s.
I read 2h45m37s
